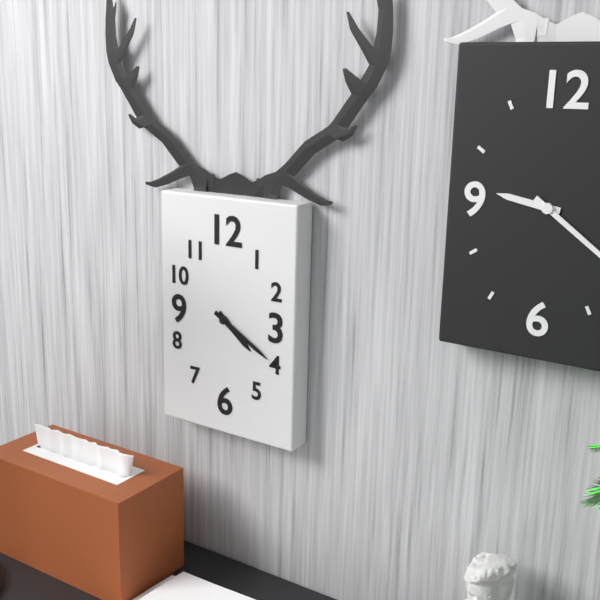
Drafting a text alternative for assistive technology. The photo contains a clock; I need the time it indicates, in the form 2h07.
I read 4h20
